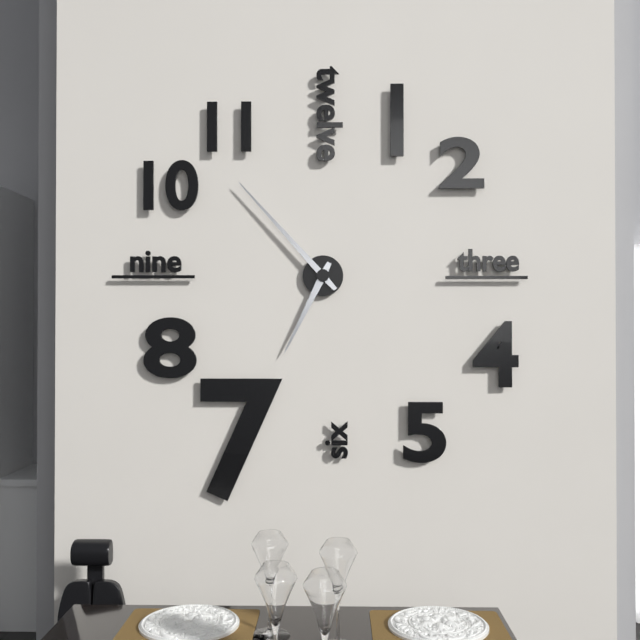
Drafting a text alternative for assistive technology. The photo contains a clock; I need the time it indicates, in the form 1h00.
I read 6h53
